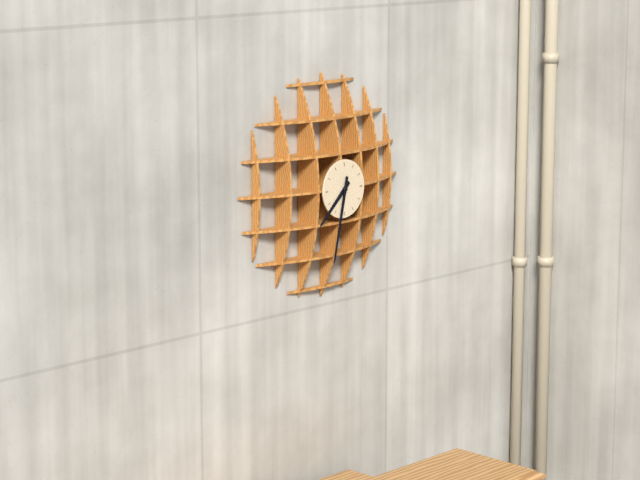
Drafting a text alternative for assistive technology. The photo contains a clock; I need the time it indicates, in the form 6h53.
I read 7h32
